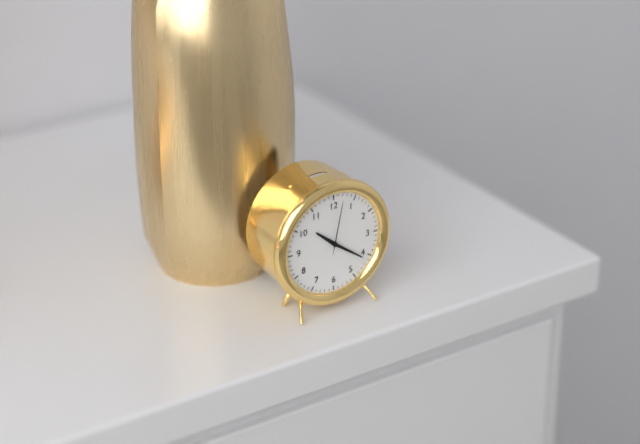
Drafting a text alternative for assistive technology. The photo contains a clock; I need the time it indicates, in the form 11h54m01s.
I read 10h21m02s
